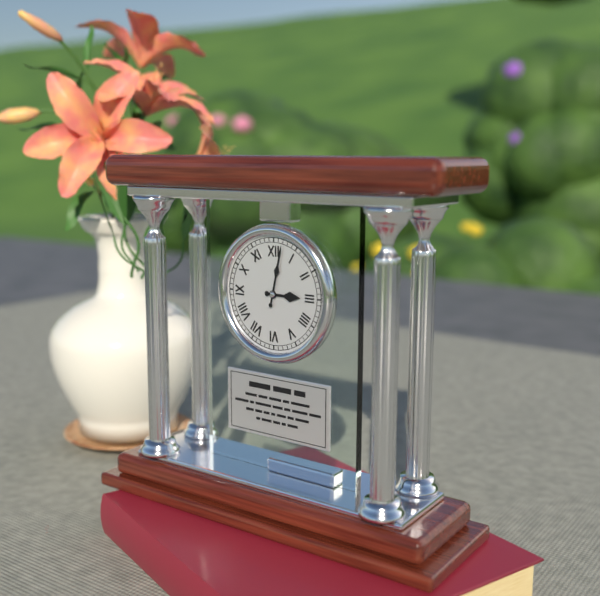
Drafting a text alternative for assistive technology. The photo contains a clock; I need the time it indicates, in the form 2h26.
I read 3h02
